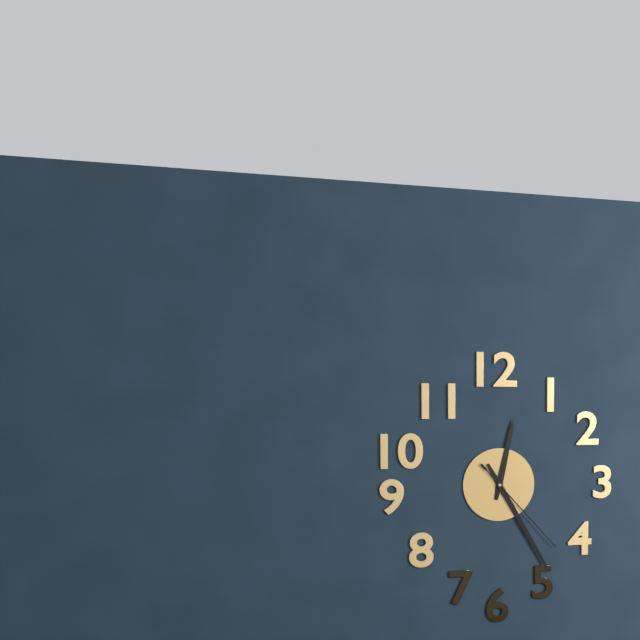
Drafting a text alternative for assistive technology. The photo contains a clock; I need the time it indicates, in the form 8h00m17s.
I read 12h25m23s
